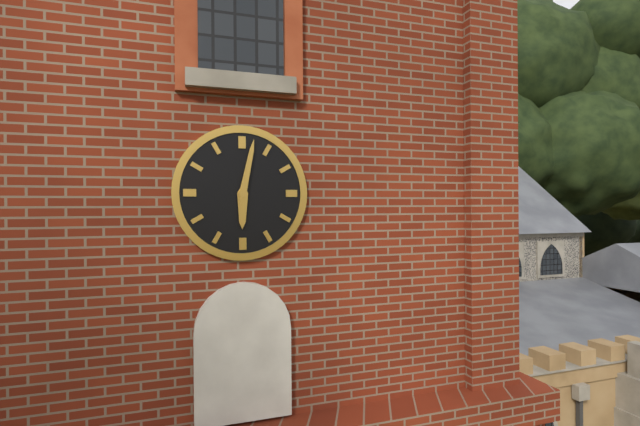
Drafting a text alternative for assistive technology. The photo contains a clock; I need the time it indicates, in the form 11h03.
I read 6h02
